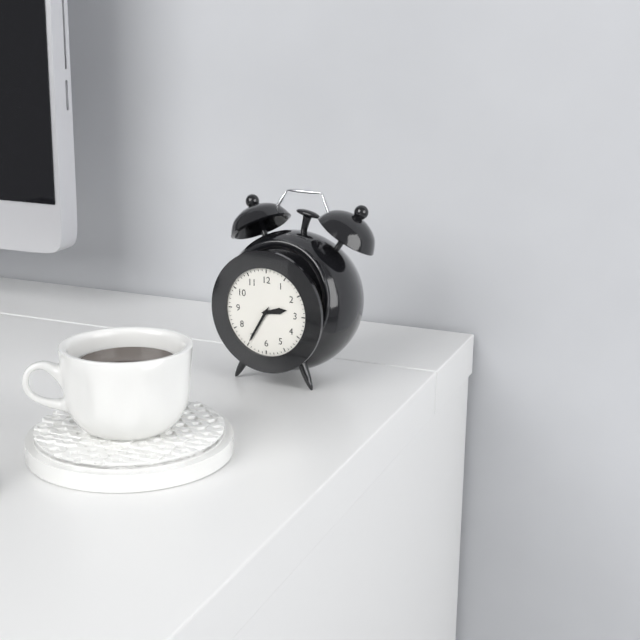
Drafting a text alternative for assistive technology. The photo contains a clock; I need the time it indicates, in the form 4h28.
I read 2h35
